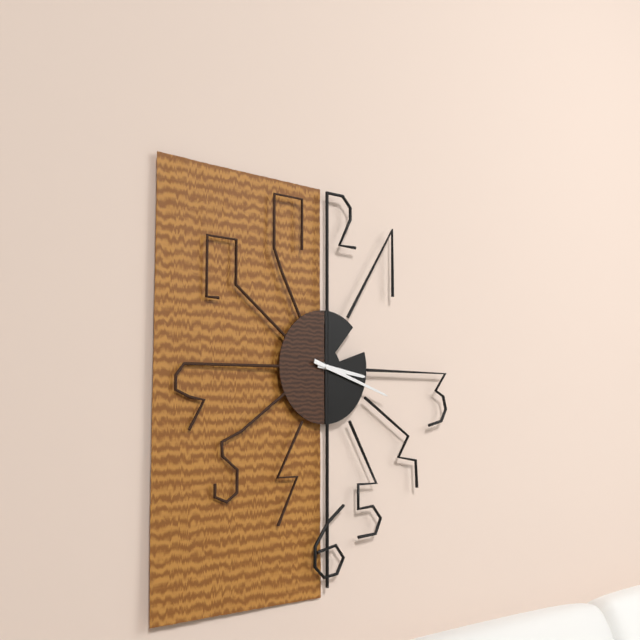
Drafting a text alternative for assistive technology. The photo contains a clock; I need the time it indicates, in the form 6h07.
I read 3h18
